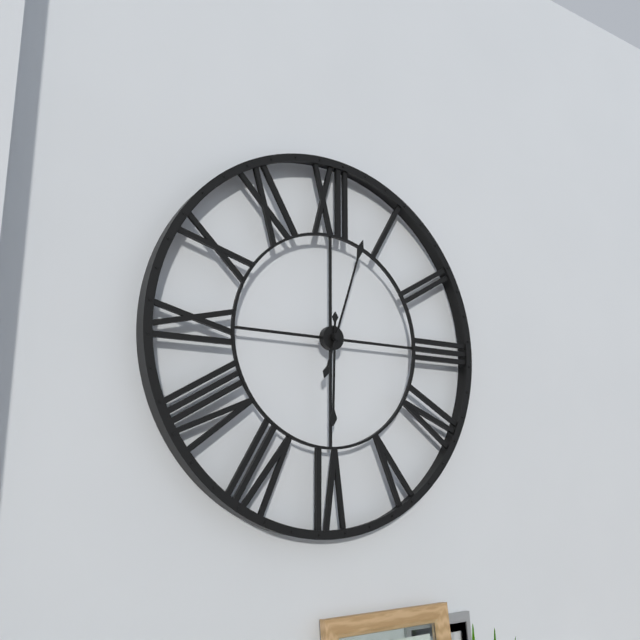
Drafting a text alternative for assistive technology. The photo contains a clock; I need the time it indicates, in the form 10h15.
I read 6h03
